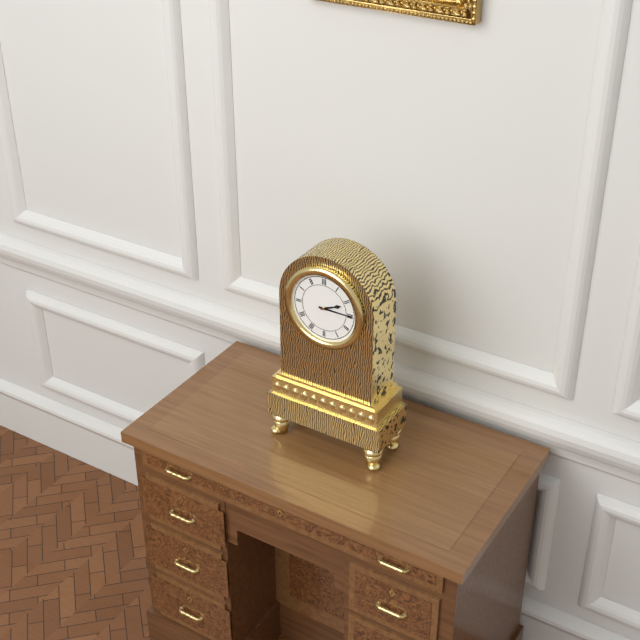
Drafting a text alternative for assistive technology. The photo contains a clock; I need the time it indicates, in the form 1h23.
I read 2h15
